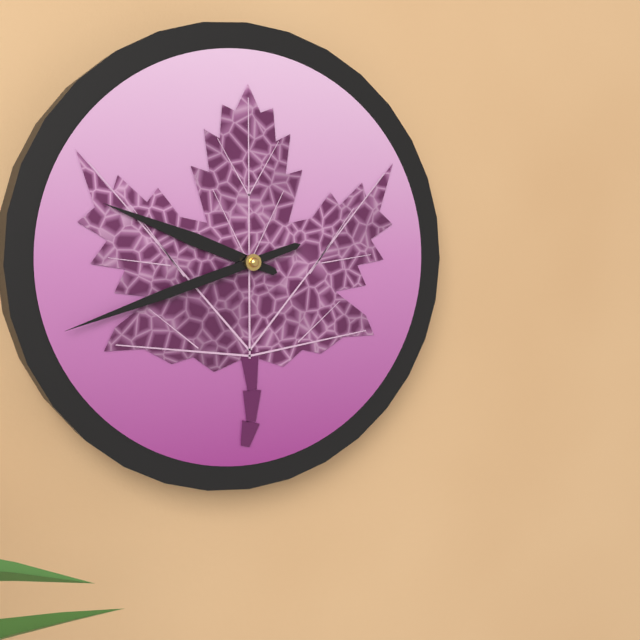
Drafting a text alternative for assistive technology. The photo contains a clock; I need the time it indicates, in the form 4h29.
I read 9h42
